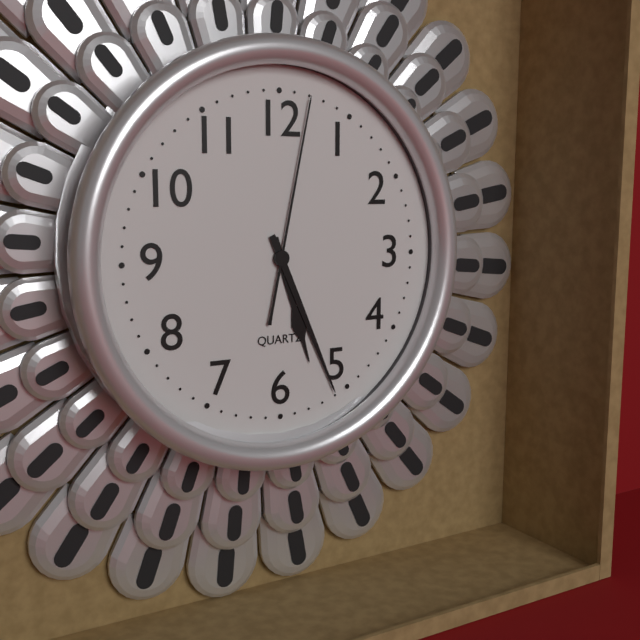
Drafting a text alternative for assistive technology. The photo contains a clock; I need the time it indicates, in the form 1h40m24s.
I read 5h26m02s
